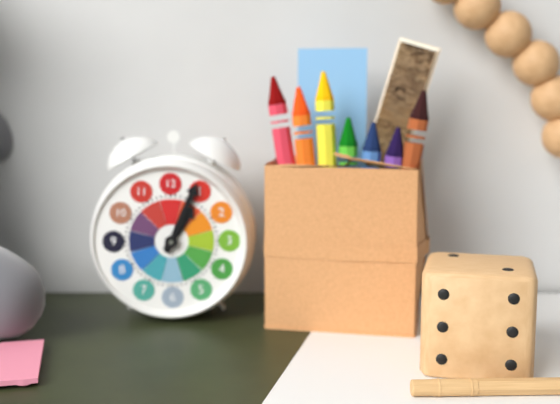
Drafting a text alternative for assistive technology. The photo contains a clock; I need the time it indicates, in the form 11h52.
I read 1h04
